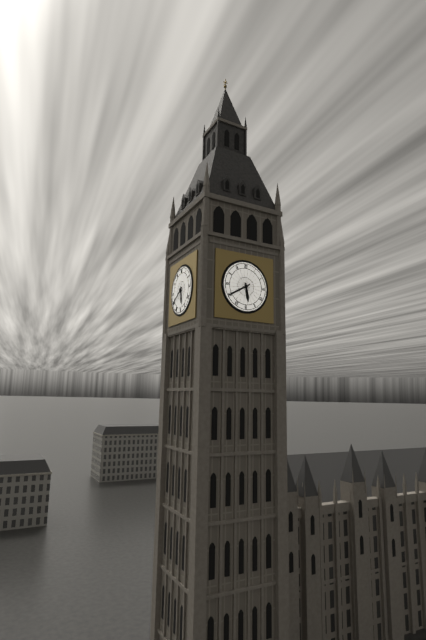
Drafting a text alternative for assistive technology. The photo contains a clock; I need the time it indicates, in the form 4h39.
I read 5h40
